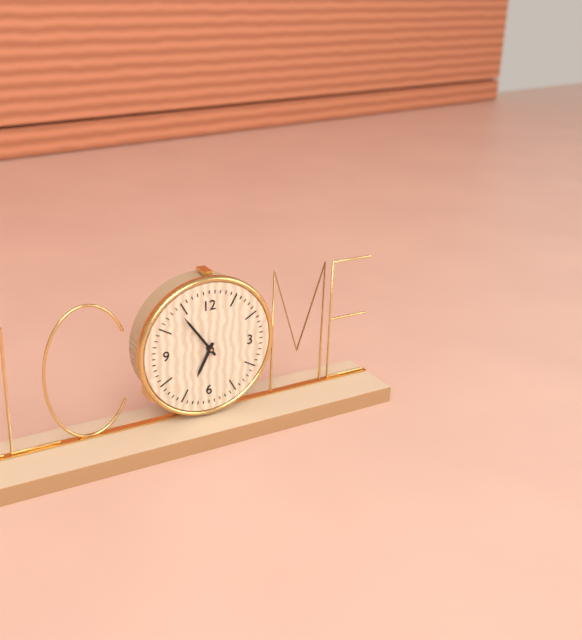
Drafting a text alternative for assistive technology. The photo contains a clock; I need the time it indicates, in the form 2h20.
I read 6h54
